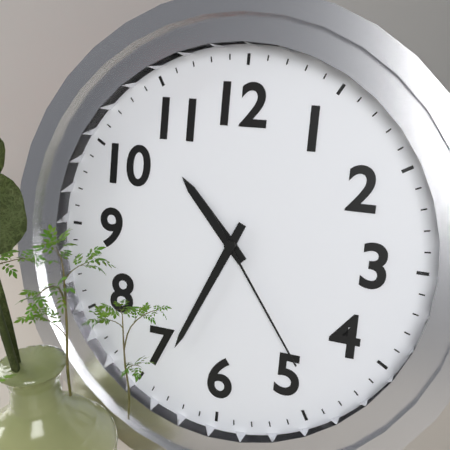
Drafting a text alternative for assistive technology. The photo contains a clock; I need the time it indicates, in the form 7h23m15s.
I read 10h34m24s
